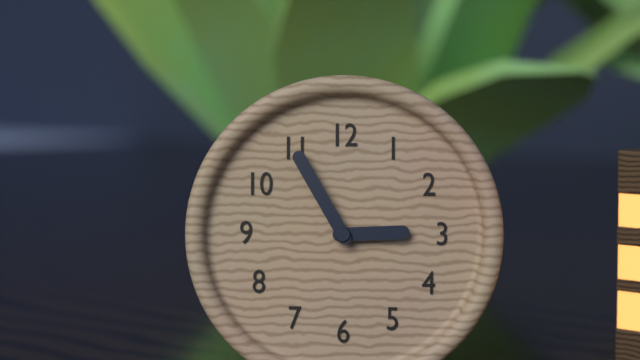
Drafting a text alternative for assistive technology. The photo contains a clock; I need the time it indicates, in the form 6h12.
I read 2h55
